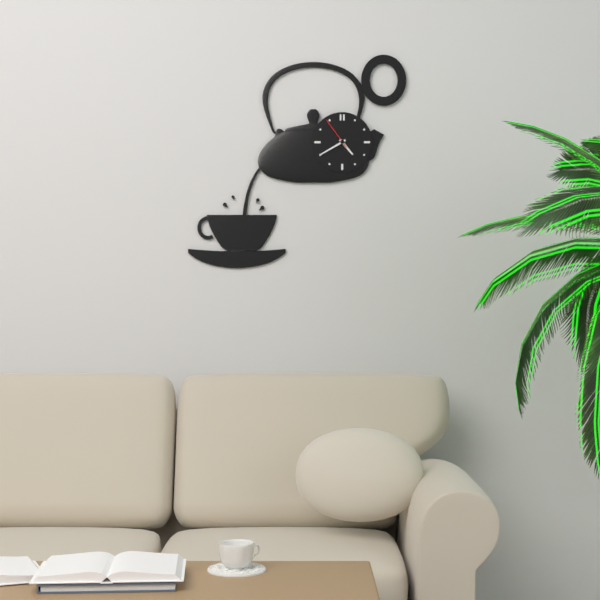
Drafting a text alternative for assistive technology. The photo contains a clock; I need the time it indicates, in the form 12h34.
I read 4h40
